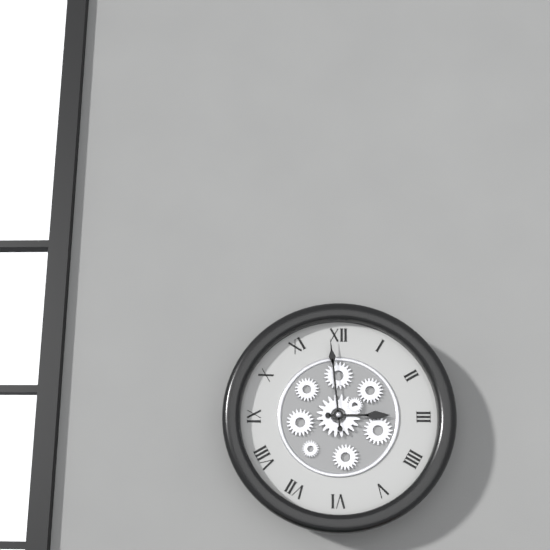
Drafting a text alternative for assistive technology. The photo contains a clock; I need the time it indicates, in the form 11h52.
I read 2h59
